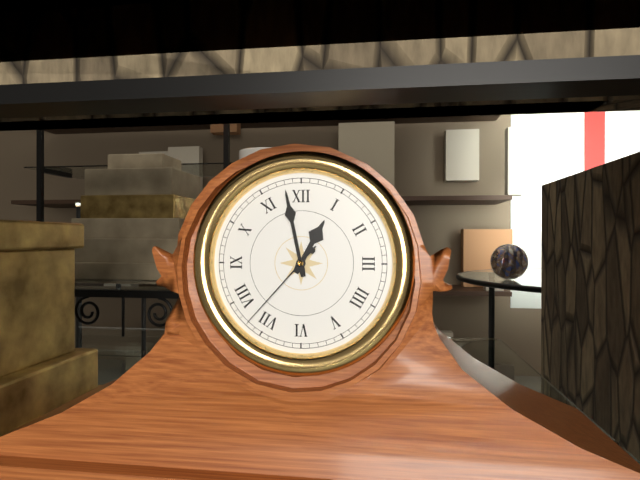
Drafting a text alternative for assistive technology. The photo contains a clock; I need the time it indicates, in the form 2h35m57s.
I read 12h58m37s
